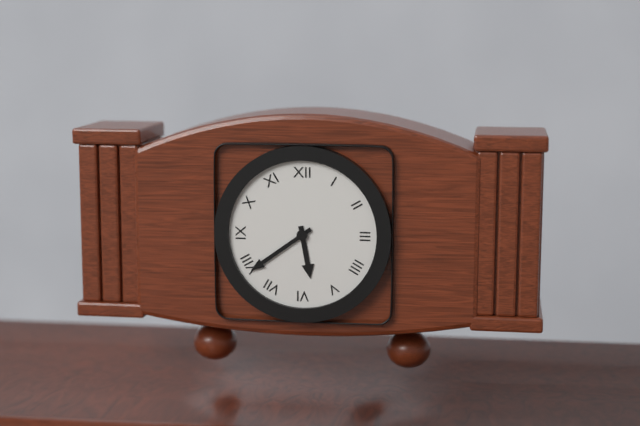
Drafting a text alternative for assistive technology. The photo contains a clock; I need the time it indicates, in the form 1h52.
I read 5h39
